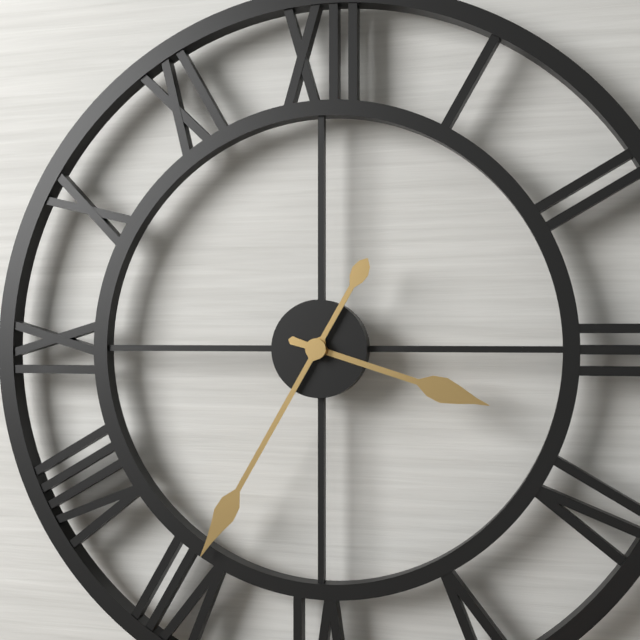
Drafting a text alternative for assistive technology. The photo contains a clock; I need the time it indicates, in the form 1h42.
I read 3h35
